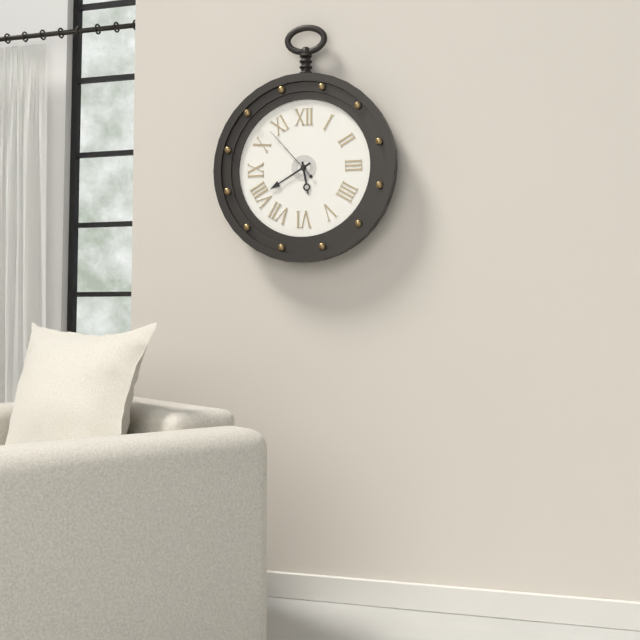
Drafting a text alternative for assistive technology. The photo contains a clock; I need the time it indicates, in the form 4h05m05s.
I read 5h40m53s
